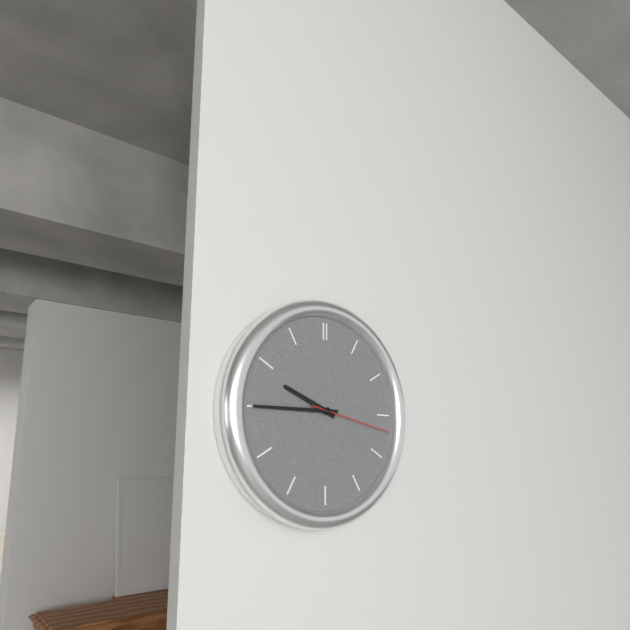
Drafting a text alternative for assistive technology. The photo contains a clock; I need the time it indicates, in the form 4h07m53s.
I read 9h45m17s
